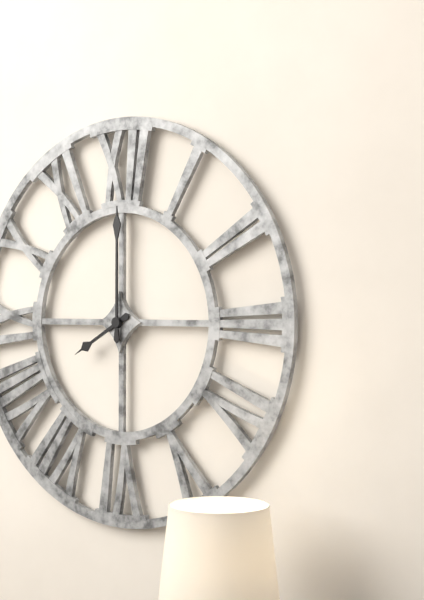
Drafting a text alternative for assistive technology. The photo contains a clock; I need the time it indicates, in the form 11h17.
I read 8h00
